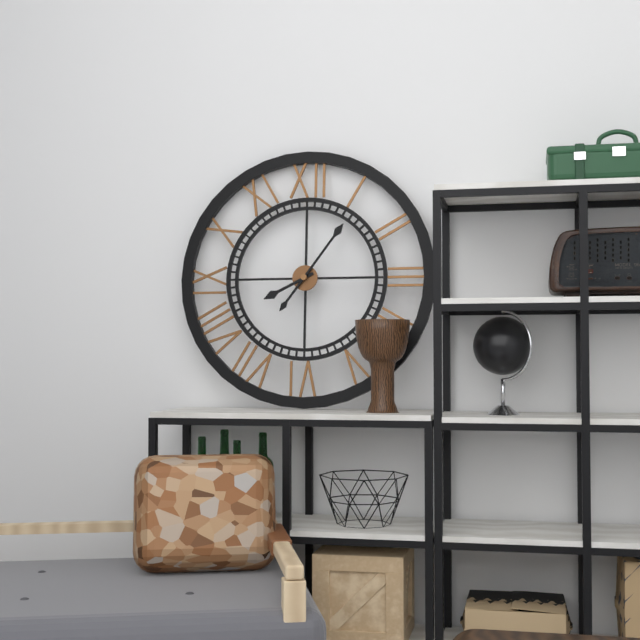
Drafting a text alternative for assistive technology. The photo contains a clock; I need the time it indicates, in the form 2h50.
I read 8h06
